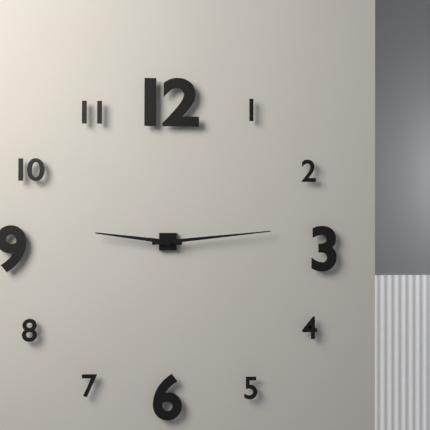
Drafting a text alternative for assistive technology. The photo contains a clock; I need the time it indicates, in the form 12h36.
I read 9h14
